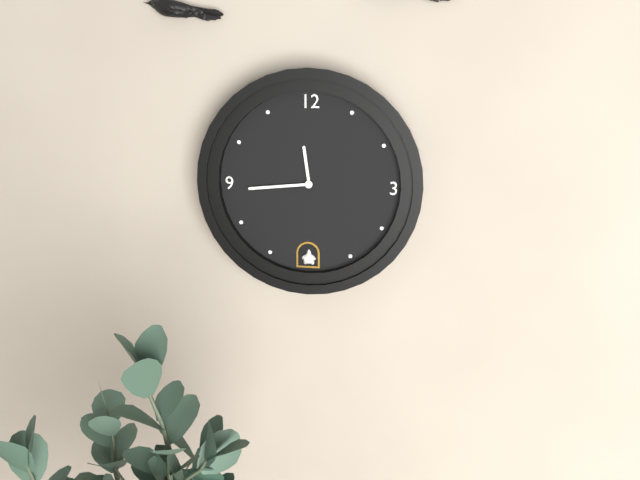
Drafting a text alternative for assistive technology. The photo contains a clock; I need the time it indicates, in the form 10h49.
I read 11h44
